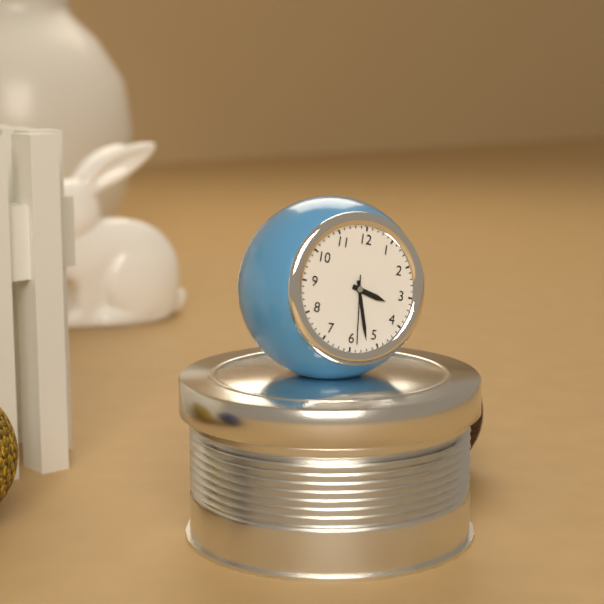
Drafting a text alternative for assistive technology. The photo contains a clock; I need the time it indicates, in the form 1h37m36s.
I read 3h27m29s
